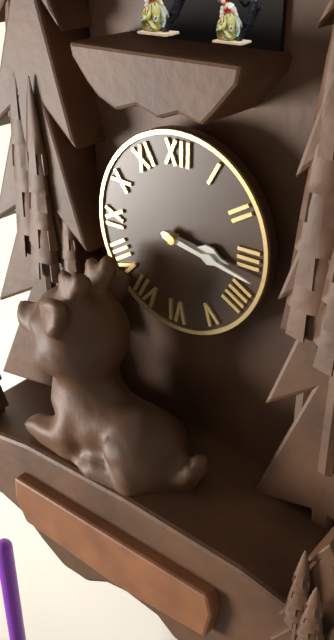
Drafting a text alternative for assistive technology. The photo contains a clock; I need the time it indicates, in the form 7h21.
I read 3h17
